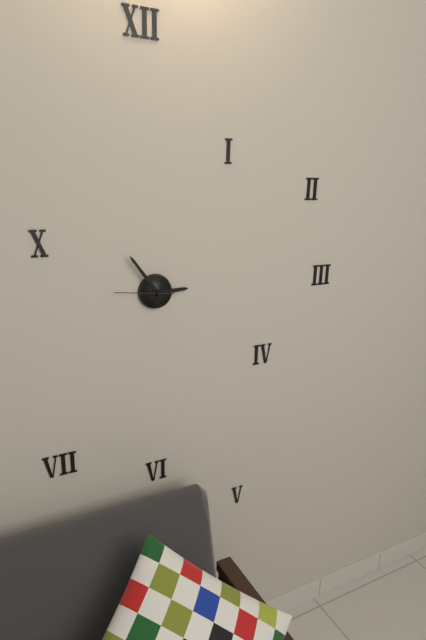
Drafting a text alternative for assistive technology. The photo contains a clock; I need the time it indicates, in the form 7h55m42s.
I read 2h54m46s
